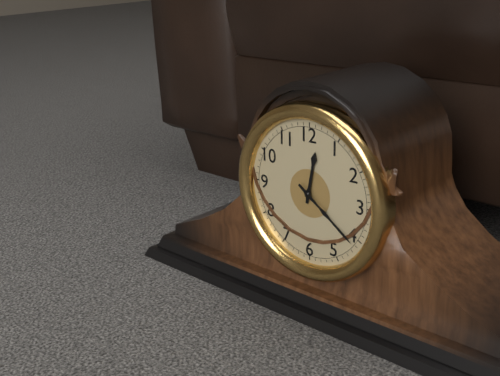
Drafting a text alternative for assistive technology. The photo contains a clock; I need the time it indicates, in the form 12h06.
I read 12h21
